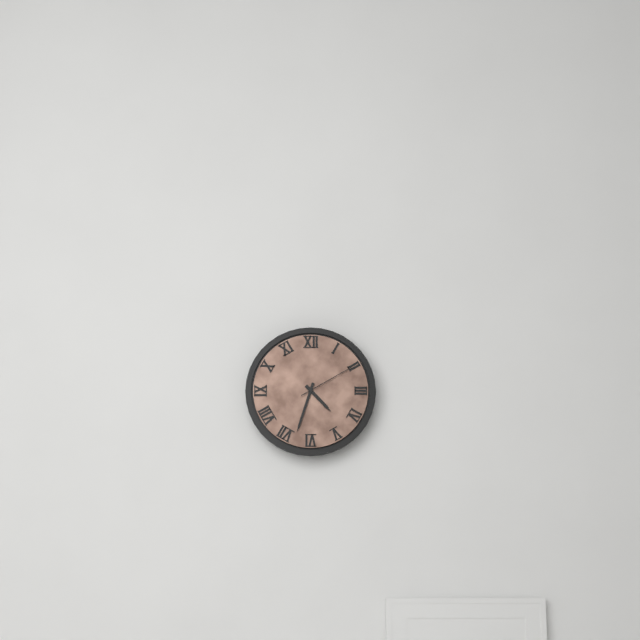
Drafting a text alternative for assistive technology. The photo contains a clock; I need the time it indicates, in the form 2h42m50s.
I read 4h33m10s
